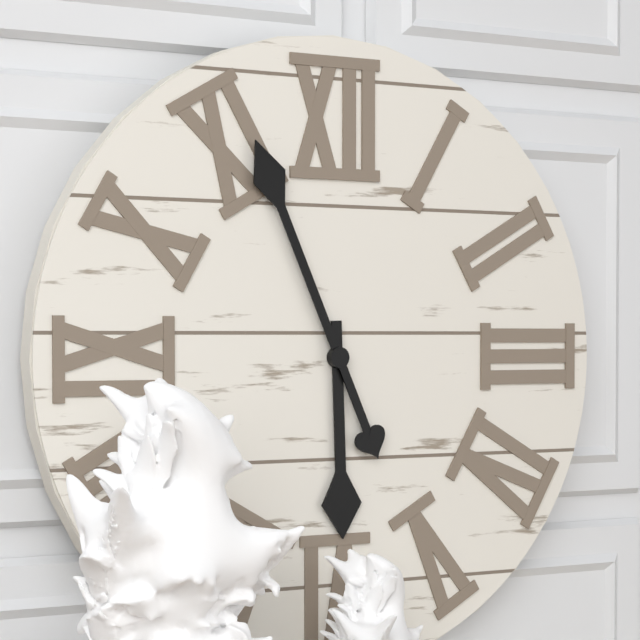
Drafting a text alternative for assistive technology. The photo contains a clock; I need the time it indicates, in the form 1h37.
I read 5h56
